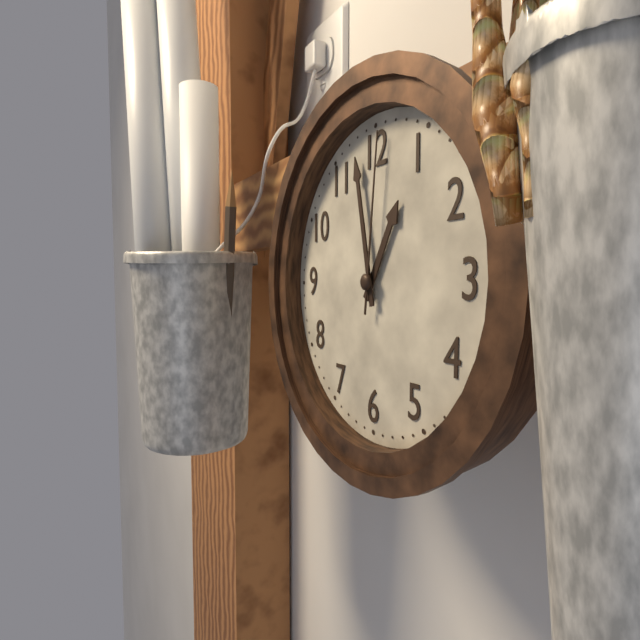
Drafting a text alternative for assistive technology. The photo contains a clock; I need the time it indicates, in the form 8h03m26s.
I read 12h58m01s
